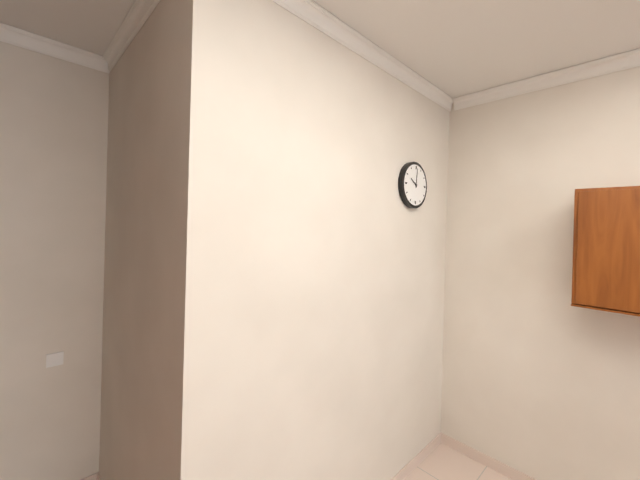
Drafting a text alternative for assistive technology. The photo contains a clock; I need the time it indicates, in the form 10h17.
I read 10h01
